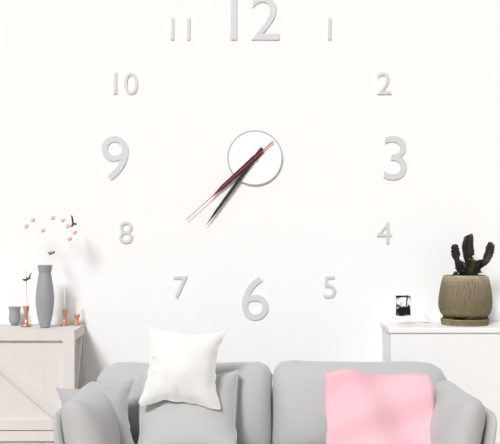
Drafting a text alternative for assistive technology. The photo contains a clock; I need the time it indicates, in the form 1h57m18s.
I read 7h36m38s
